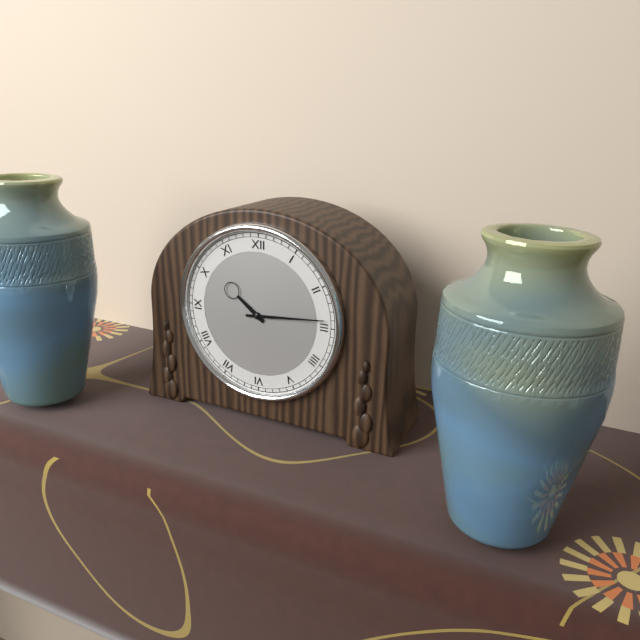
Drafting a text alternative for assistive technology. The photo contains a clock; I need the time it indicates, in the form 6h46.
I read 10h14
